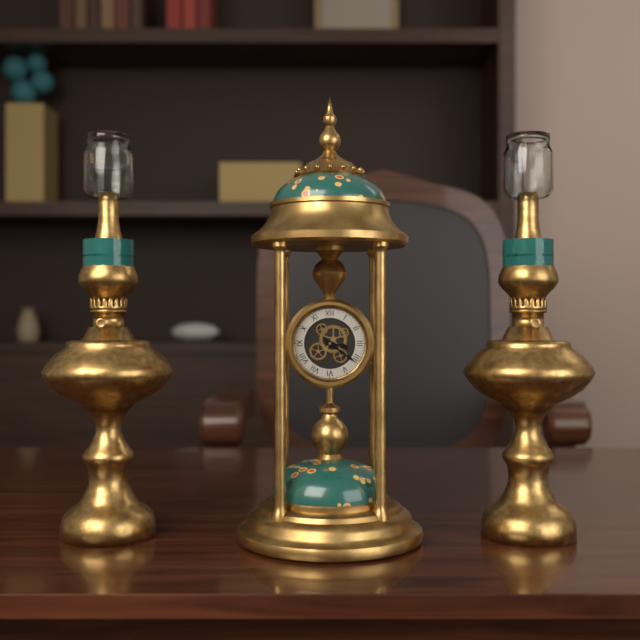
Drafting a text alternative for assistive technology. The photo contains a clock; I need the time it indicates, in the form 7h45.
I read 3h21
